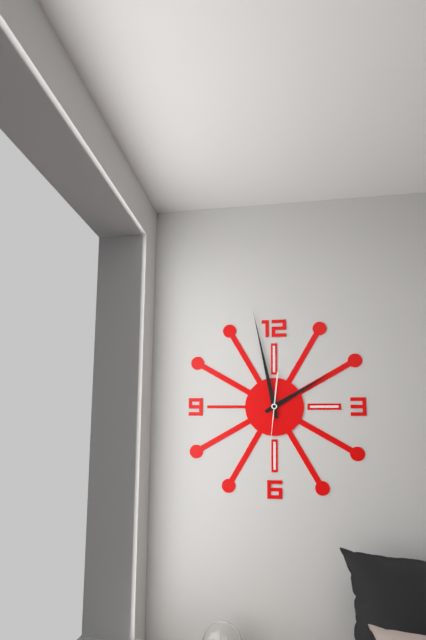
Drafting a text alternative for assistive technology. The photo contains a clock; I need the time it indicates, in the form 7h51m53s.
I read 1h58m31s
